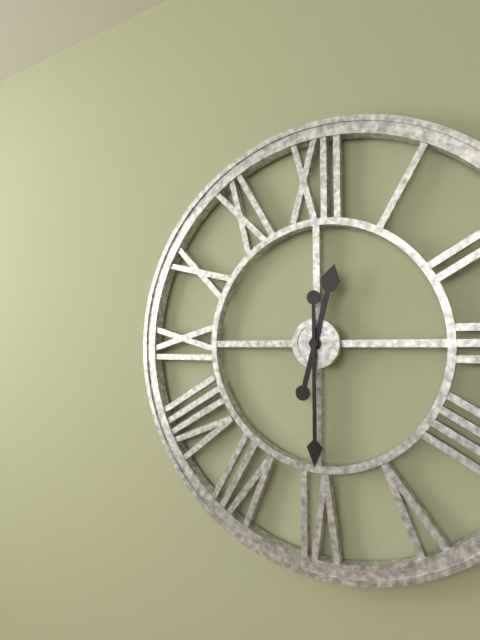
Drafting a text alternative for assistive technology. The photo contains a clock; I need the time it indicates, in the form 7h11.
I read 12h30
